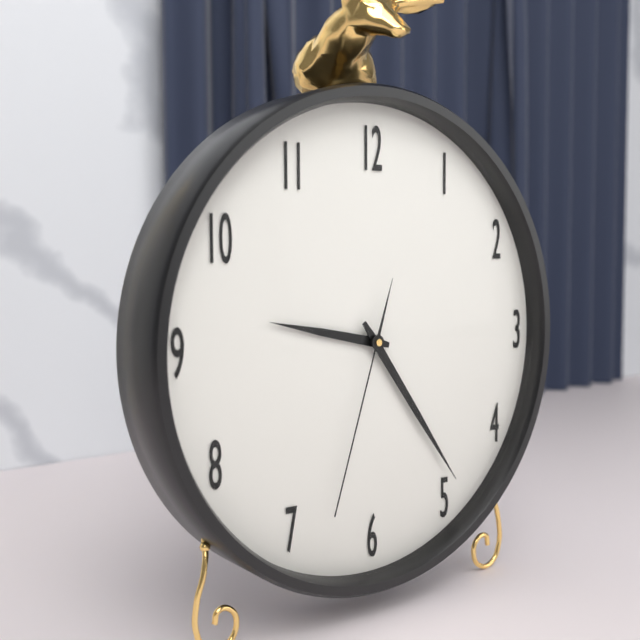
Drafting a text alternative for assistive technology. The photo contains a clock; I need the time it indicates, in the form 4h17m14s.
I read 9h24m33s
